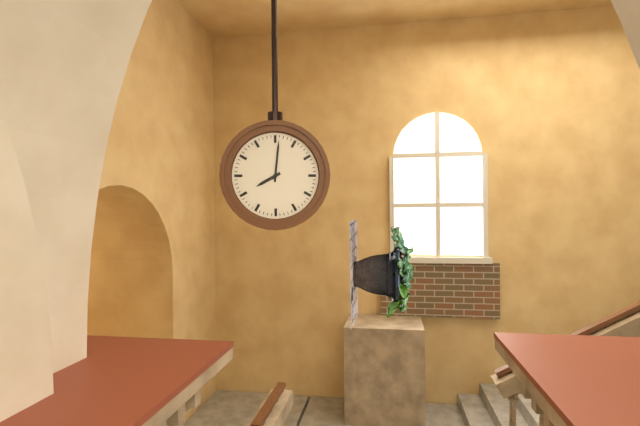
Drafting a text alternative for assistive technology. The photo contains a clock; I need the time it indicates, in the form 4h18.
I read 8h01
